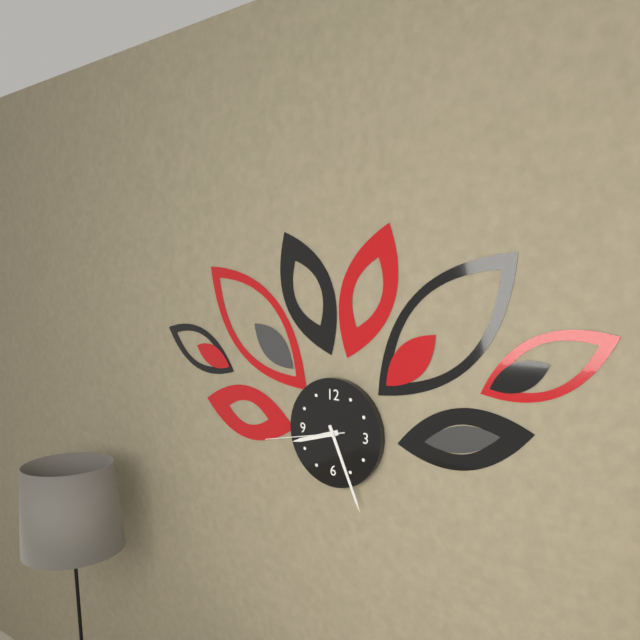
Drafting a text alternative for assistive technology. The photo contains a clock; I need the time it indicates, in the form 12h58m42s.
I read 8h26m43s
